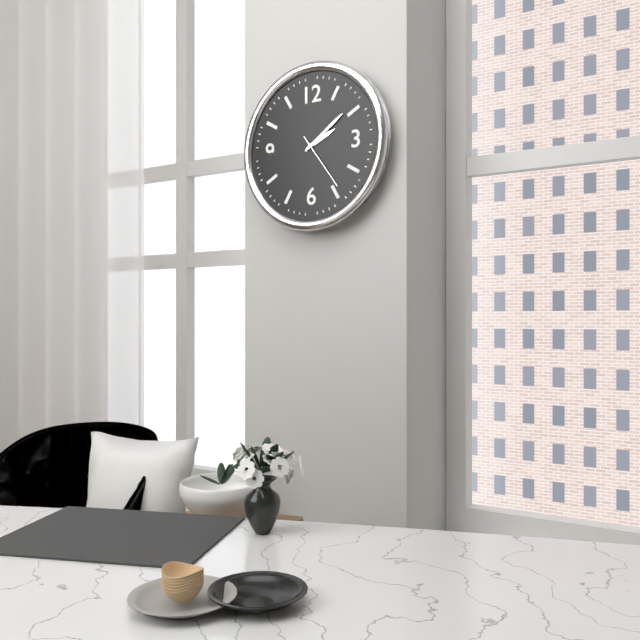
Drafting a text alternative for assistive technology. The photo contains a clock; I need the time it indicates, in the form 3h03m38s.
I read 2h09m24s
